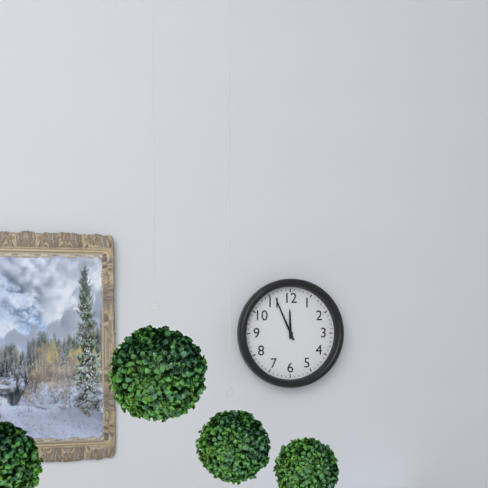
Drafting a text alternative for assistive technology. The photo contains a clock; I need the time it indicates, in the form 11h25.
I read 11h56
